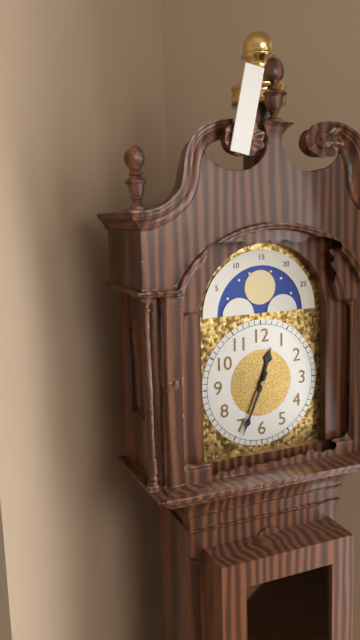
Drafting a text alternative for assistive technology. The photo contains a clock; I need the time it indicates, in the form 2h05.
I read 12h34
